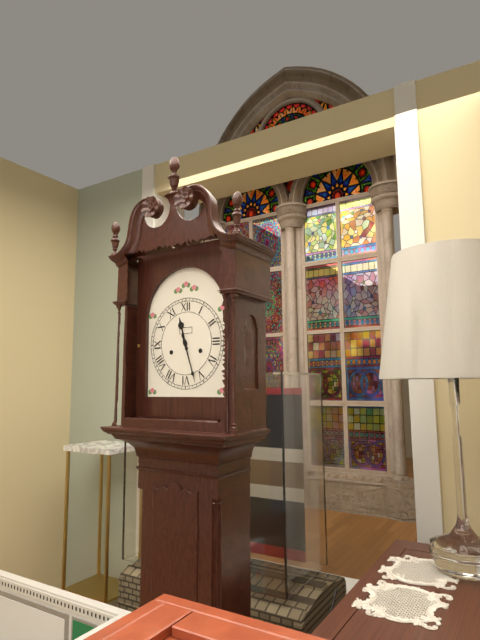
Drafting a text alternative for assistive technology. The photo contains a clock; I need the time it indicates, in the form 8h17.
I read 11h27
